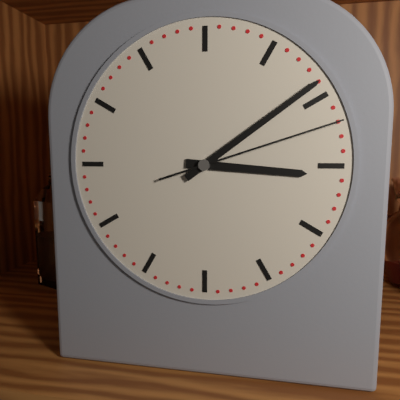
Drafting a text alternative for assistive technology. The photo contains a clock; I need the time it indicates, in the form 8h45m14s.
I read 3h09m12s
